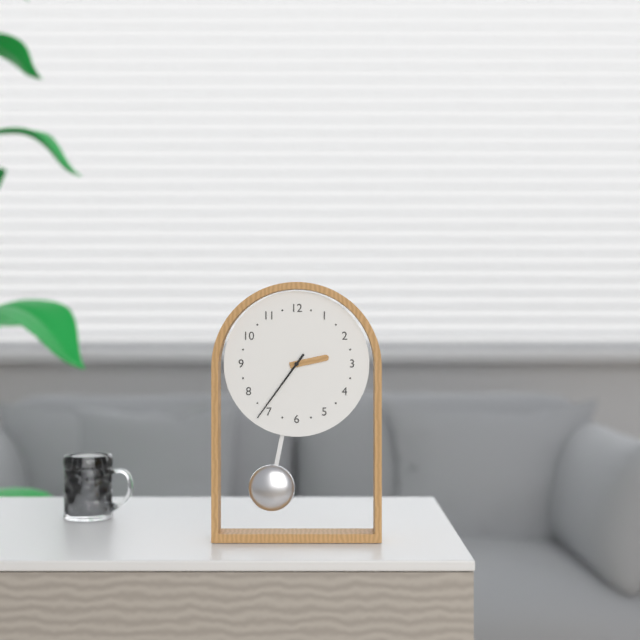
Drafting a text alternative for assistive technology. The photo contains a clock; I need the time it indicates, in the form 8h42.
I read 2h36
